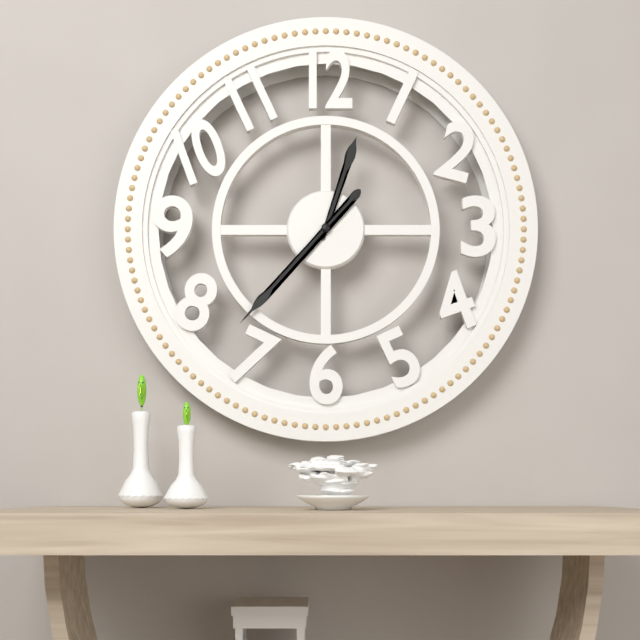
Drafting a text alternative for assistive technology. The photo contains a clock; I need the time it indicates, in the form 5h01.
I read 12h37
